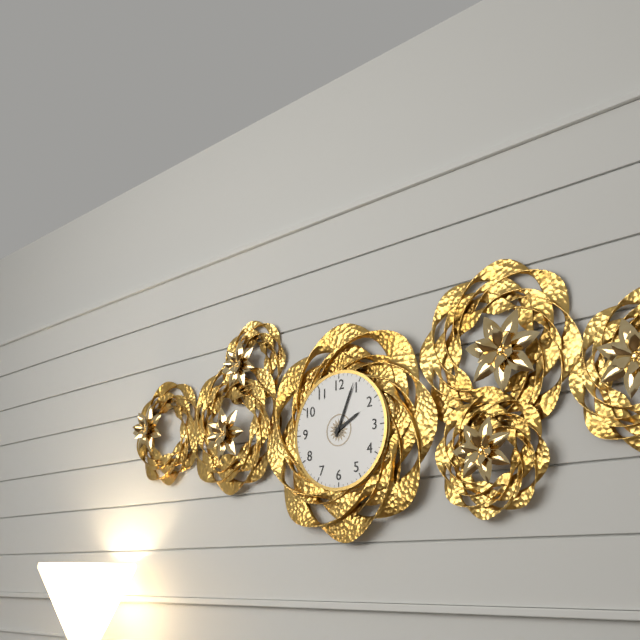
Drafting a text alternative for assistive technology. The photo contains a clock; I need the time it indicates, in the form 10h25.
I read 2h04
